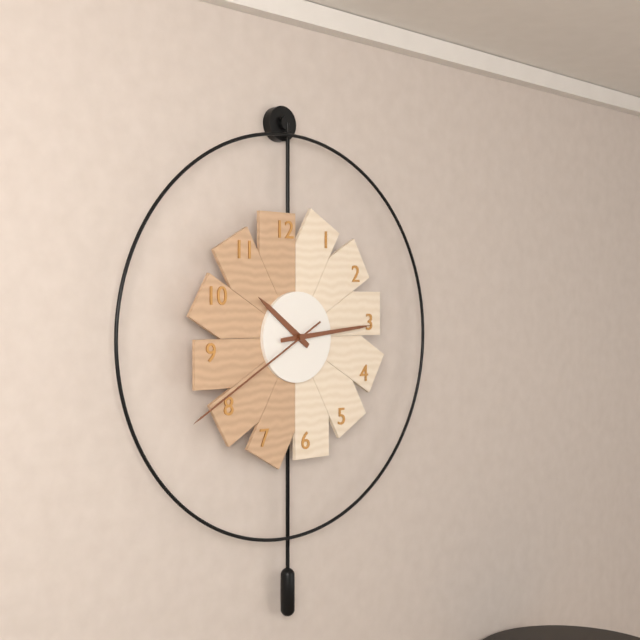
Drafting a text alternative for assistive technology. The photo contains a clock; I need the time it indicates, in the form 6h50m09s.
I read 10h14m40s
